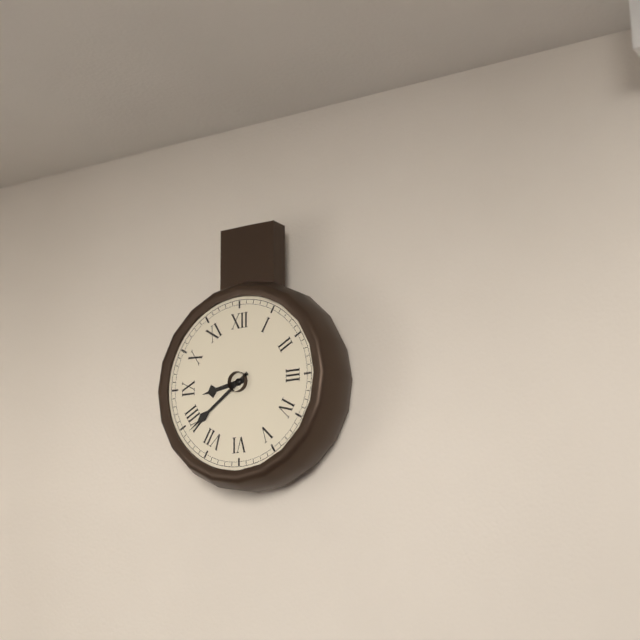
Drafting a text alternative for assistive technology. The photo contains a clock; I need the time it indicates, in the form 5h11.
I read 8h39
